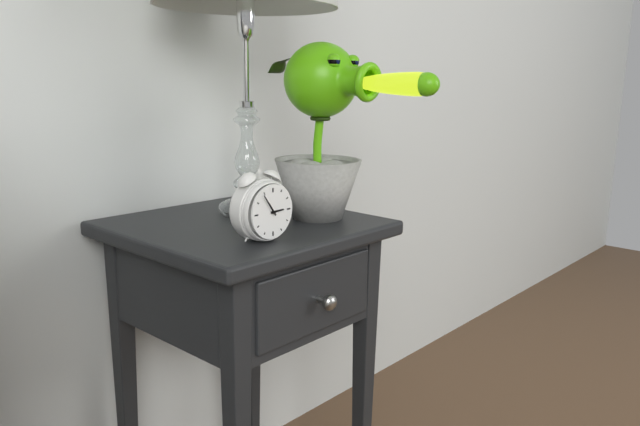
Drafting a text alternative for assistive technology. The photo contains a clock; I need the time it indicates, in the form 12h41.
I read 2h54
